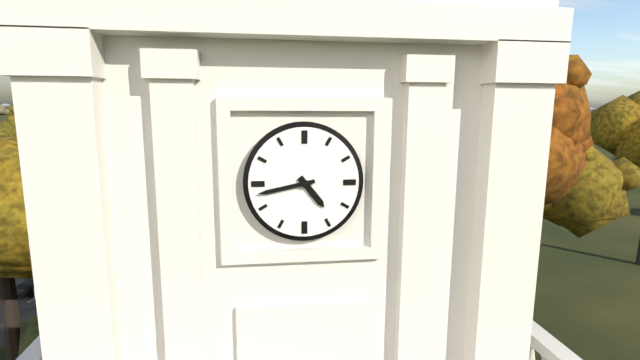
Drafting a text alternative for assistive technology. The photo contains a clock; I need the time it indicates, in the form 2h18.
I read 4h43
